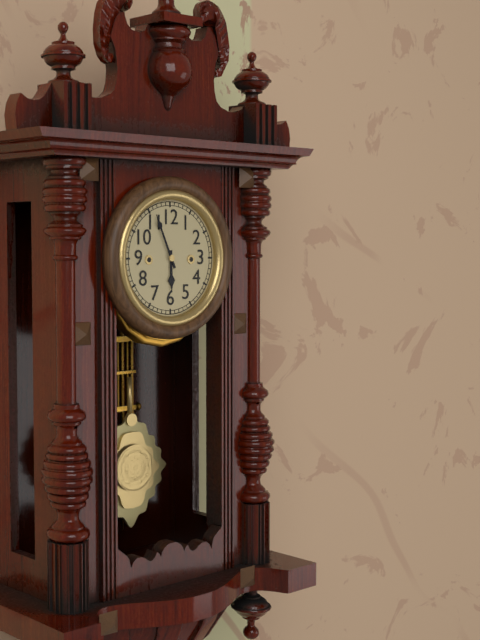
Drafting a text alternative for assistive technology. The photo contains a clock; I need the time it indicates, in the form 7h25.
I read 5h56
